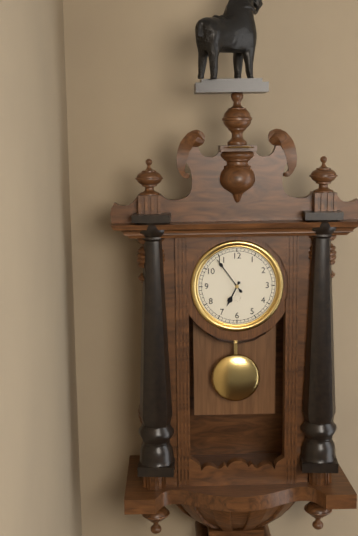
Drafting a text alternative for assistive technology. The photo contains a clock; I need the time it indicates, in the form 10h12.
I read 6h54
